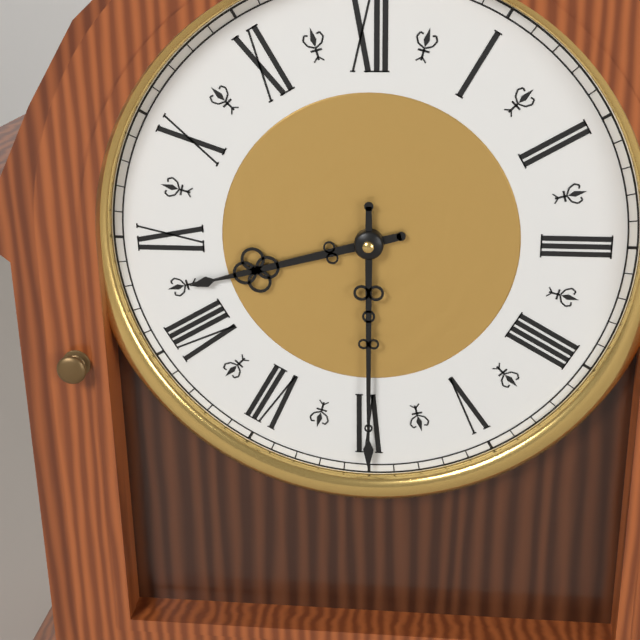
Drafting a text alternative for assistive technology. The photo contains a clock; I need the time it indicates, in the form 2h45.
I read 8h30
